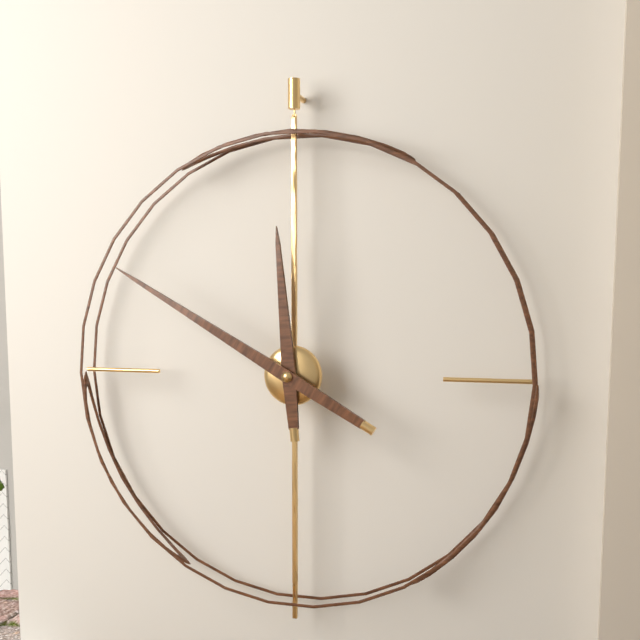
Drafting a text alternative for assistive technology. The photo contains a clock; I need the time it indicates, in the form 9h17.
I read 11h50
